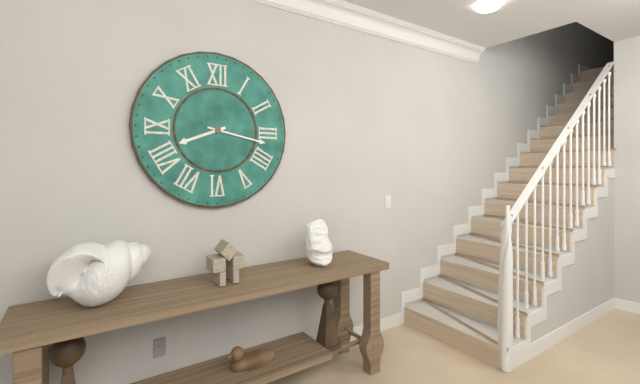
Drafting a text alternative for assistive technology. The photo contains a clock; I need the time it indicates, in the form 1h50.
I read 8h17
